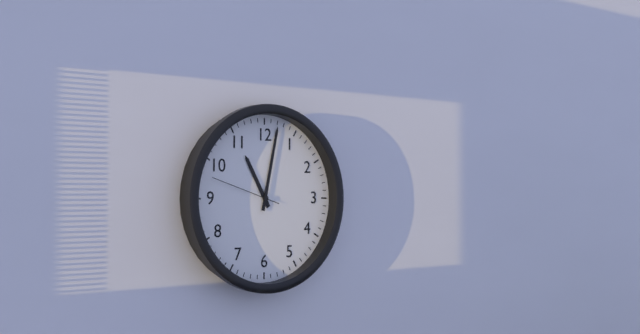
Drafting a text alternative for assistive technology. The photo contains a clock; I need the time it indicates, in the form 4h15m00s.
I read 11h02m48s
